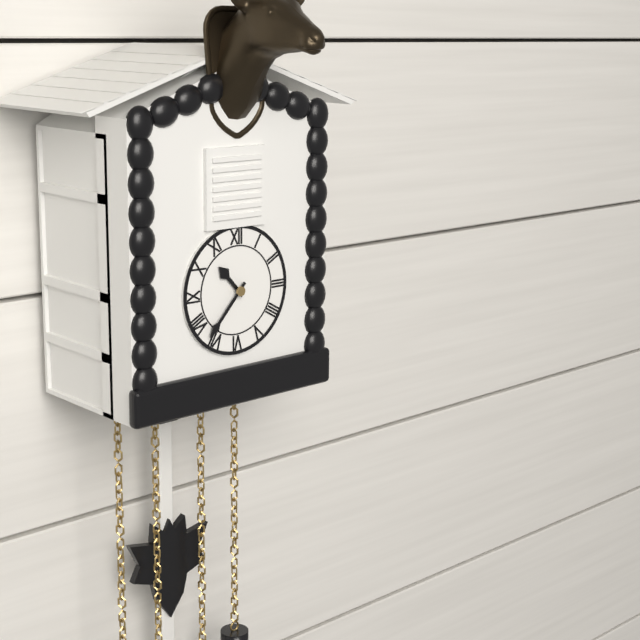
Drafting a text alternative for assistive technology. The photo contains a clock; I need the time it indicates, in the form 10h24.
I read 10h37
